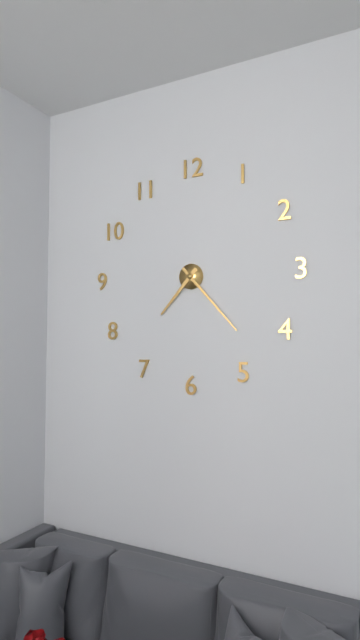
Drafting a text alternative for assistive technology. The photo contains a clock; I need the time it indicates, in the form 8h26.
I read 7h23
